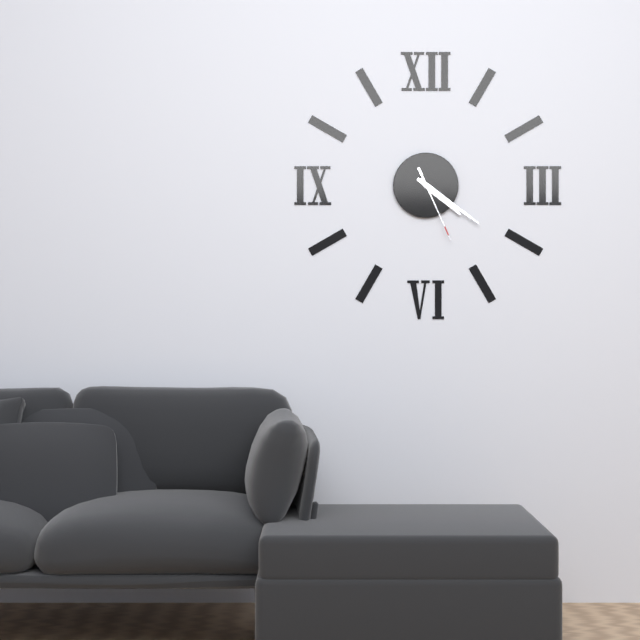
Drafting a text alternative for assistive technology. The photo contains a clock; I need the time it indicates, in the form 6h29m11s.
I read 4h21m26s
